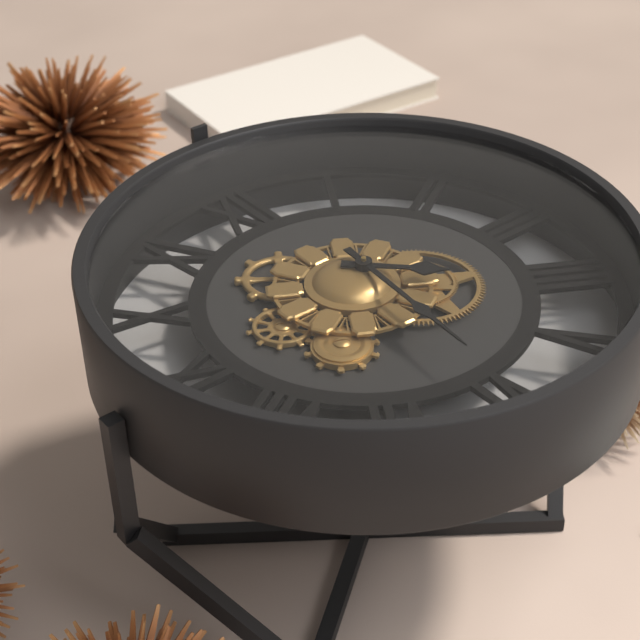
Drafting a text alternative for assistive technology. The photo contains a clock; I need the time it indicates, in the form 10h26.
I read 4h31
